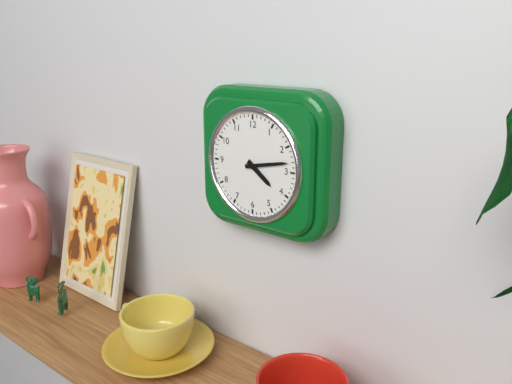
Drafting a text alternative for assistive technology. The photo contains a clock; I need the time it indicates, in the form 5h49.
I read 4h13
